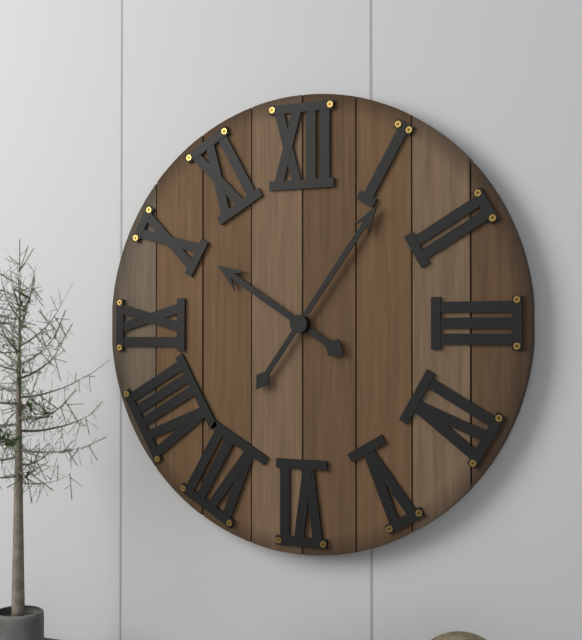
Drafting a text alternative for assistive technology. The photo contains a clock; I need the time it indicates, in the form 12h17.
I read 10h06
